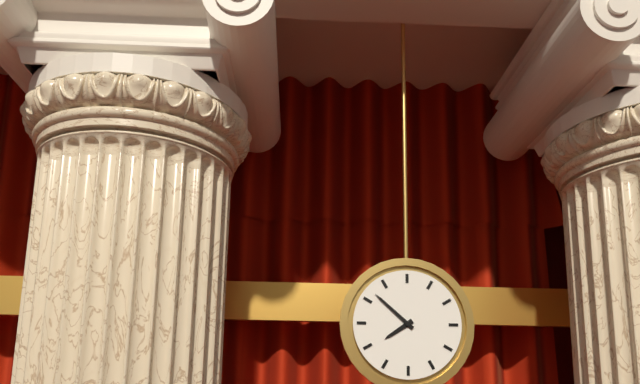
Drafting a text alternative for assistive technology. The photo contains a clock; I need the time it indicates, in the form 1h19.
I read 7h52
